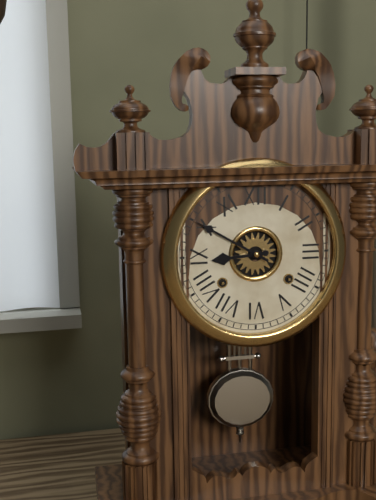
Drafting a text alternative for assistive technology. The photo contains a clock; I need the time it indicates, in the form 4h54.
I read 8h50
